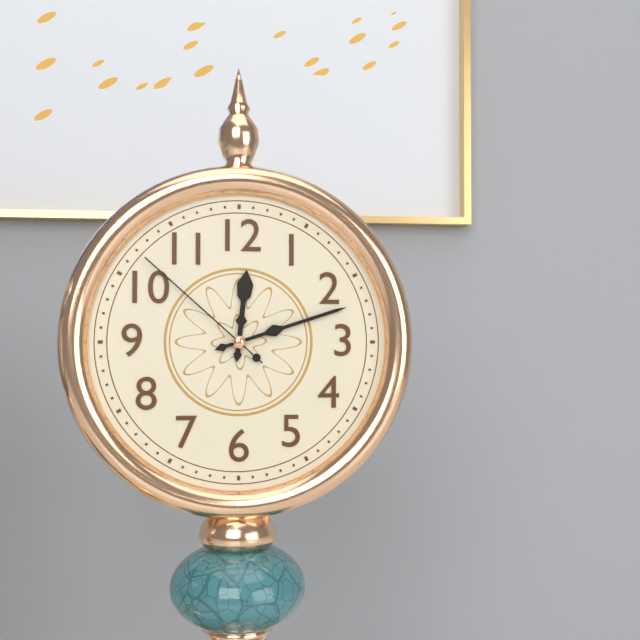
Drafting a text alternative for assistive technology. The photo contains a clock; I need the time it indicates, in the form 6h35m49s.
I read 12h12m52s
